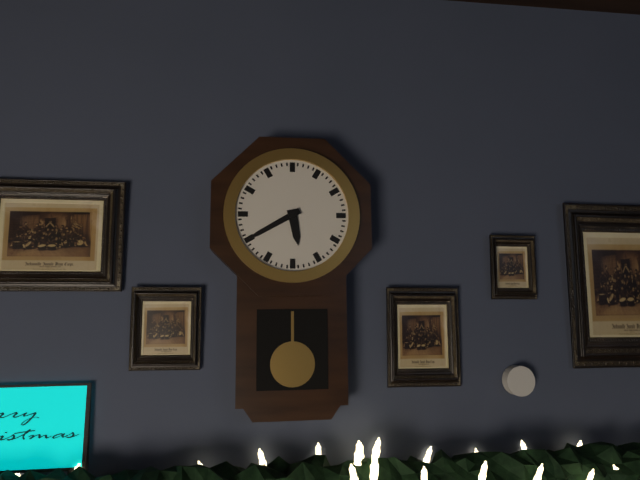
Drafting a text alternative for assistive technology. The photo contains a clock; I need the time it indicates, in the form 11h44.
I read 5h40
